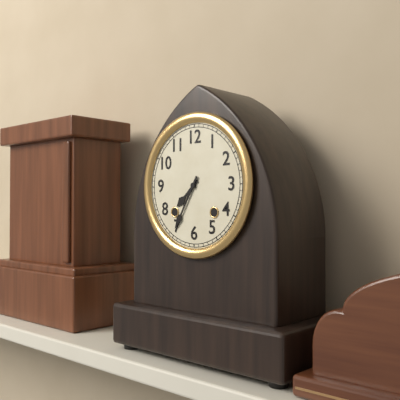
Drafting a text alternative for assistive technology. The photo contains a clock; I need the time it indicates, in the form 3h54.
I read 7h35
